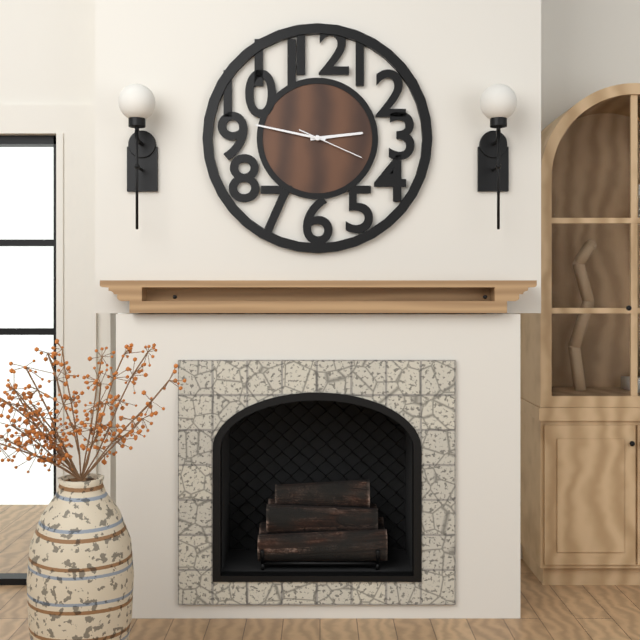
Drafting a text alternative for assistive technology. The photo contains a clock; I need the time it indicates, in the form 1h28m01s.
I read 2h47m19s
